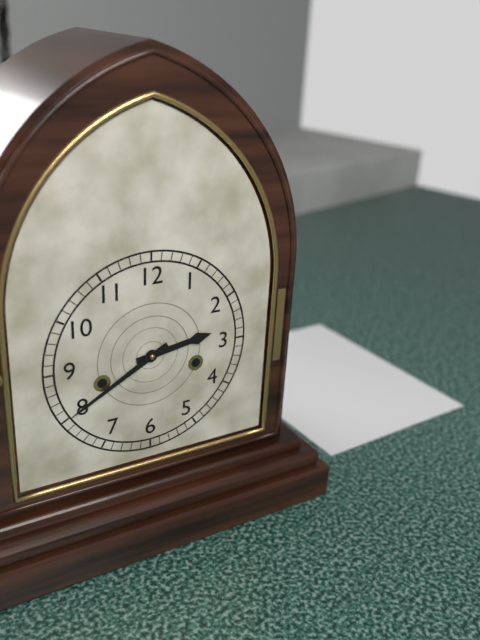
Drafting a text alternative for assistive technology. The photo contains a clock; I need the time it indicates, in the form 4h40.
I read 2h40
